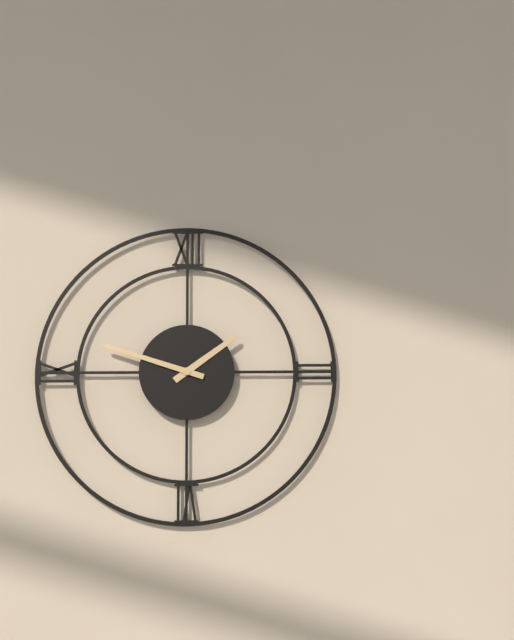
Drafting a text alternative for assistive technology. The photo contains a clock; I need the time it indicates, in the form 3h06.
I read 1h48
